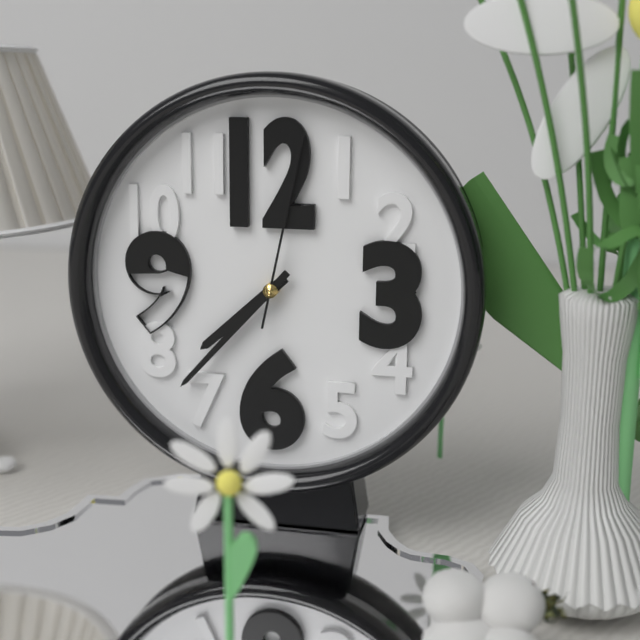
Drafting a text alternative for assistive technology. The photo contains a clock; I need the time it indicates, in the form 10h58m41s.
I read 7h37m02s
